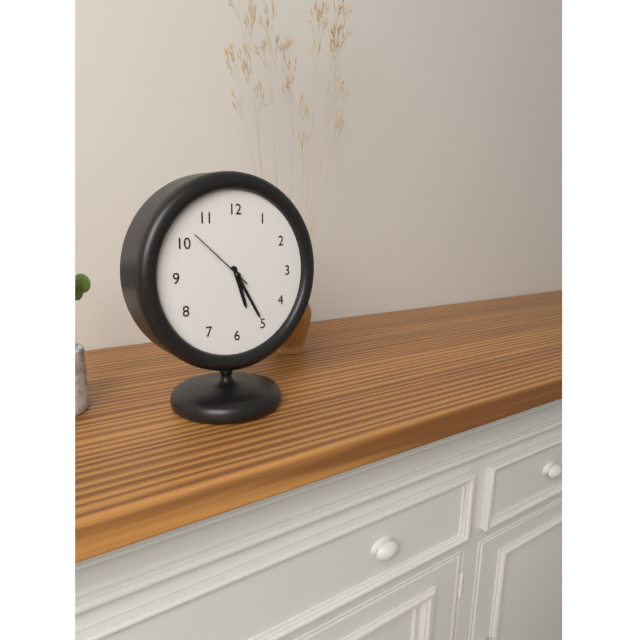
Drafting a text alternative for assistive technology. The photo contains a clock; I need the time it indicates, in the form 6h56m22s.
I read 5h25m52s
